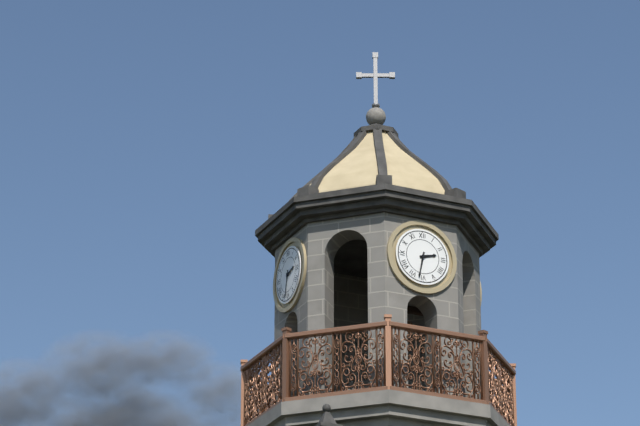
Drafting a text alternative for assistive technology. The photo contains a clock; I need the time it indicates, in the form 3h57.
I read 2h32
